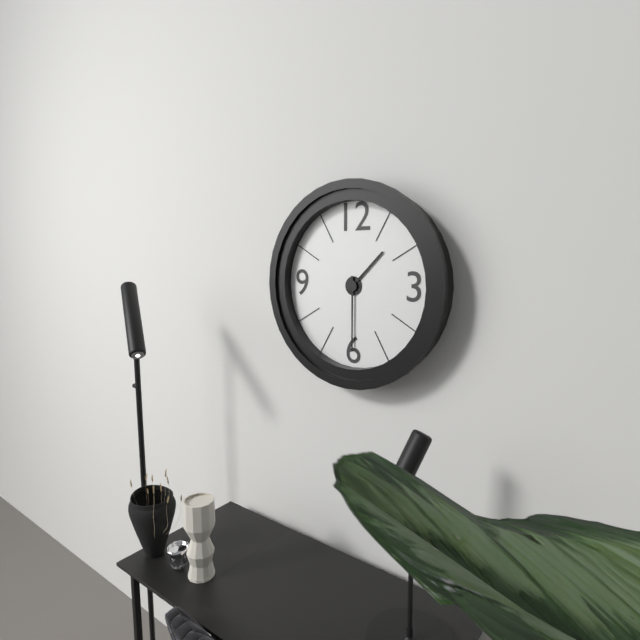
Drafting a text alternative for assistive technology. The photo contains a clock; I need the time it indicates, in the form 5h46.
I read 1h30
